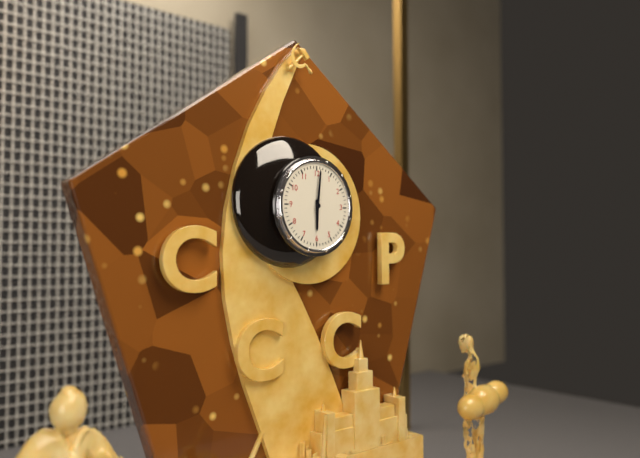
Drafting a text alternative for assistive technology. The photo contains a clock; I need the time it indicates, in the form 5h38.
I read 6h01
